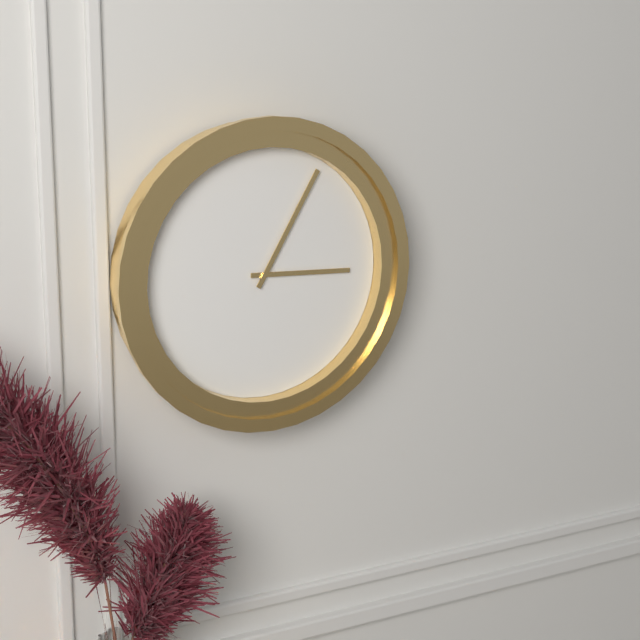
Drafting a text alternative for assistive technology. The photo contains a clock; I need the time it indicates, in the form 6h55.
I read 3h05
